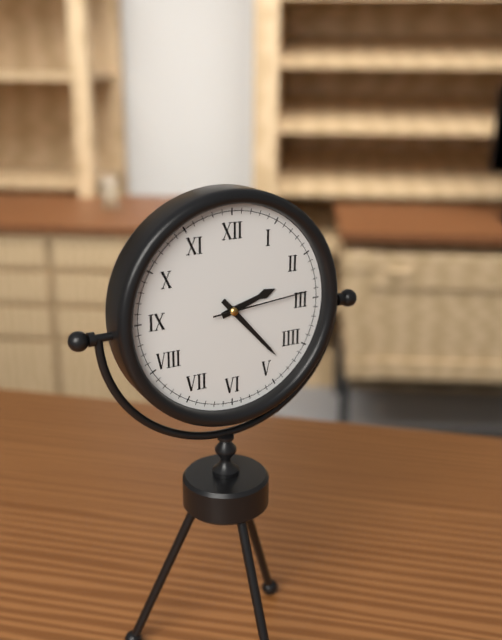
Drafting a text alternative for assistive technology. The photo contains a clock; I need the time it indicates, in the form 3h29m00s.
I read 2h23m14s
